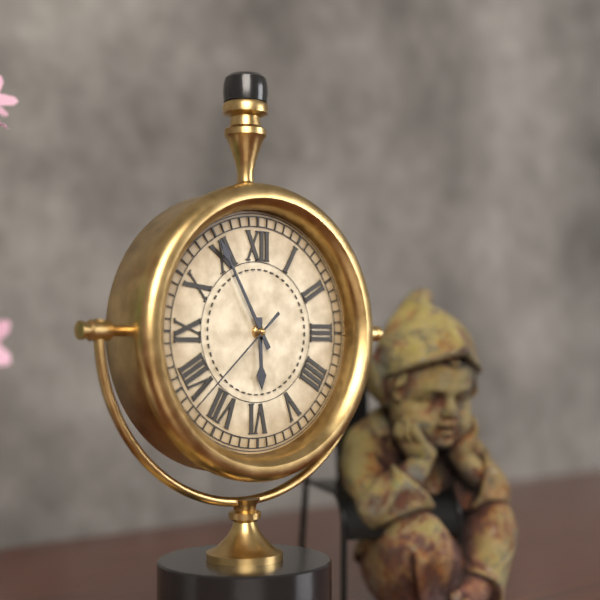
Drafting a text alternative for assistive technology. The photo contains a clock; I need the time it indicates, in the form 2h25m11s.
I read 5h55m38s
